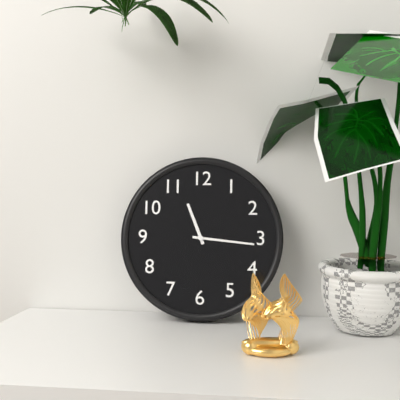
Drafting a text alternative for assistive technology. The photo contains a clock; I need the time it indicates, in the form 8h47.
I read 11h16
